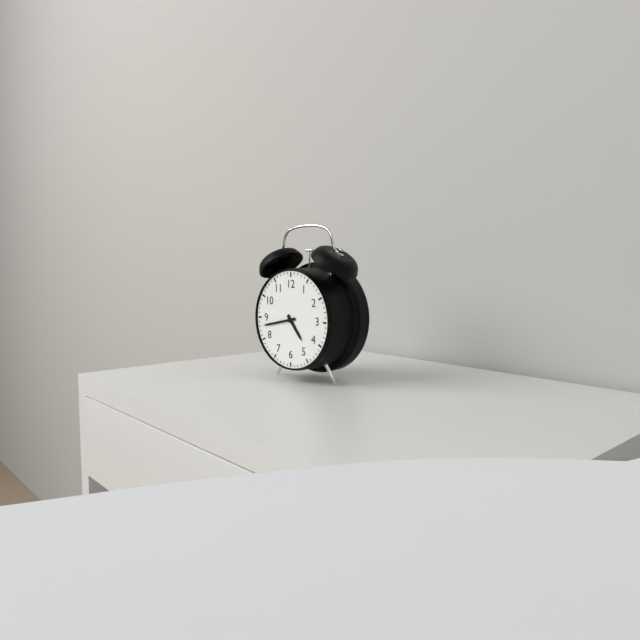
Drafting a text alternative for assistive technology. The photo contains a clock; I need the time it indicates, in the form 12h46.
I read 4h43
